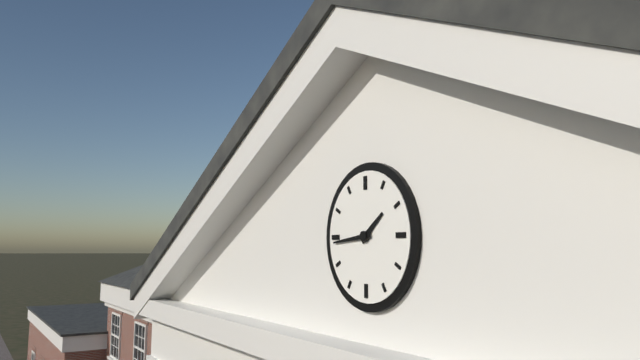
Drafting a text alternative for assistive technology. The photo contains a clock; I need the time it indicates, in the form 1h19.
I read 1h44
